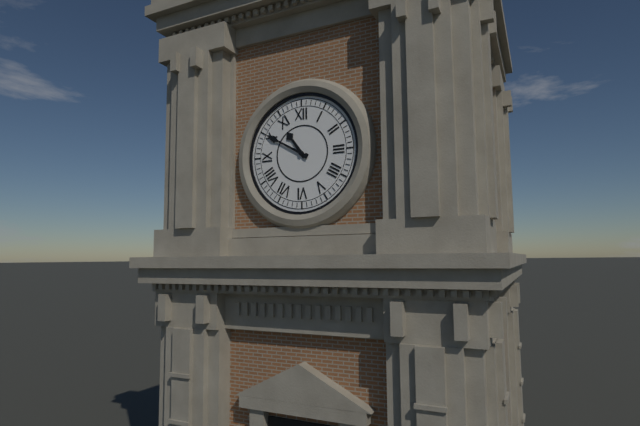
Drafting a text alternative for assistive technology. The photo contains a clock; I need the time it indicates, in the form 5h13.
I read 10h50
